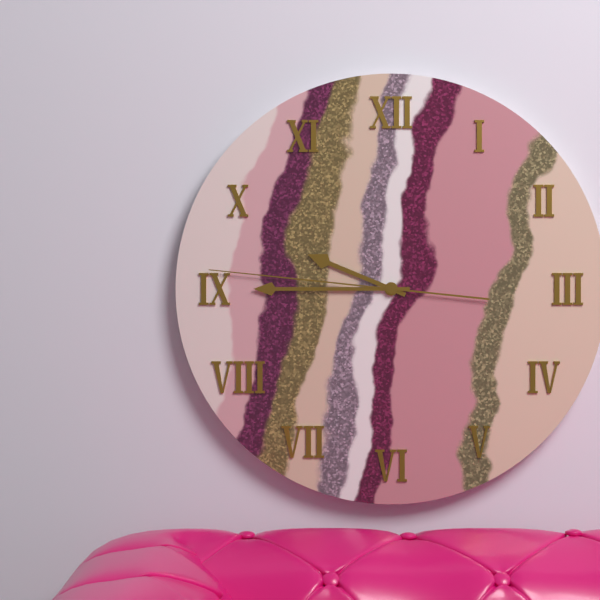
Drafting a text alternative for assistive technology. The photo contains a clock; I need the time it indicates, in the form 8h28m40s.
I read 9h45m46s
